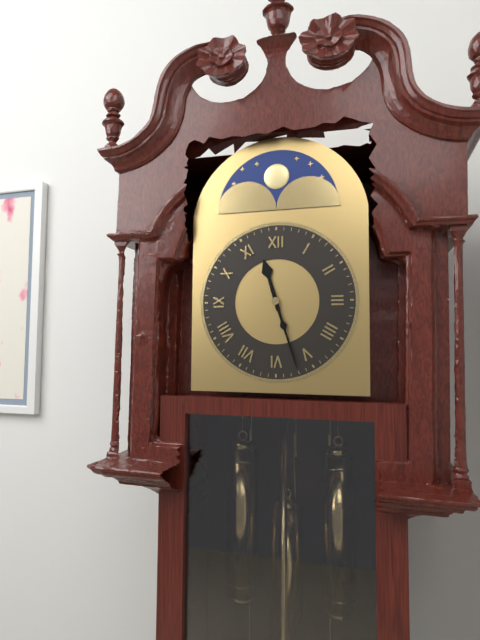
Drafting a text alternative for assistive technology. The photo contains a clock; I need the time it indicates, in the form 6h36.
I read 11h27
